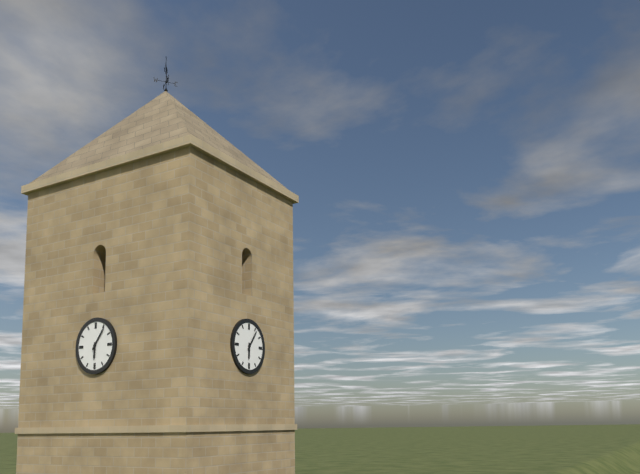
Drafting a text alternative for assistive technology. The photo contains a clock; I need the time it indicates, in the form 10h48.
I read 6h06
